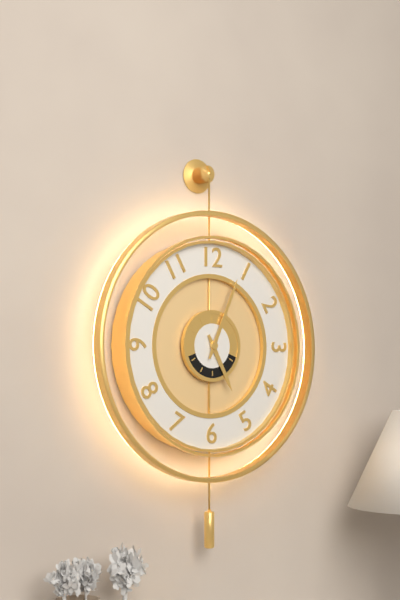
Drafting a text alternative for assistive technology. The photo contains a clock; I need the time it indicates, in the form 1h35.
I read 5h04
